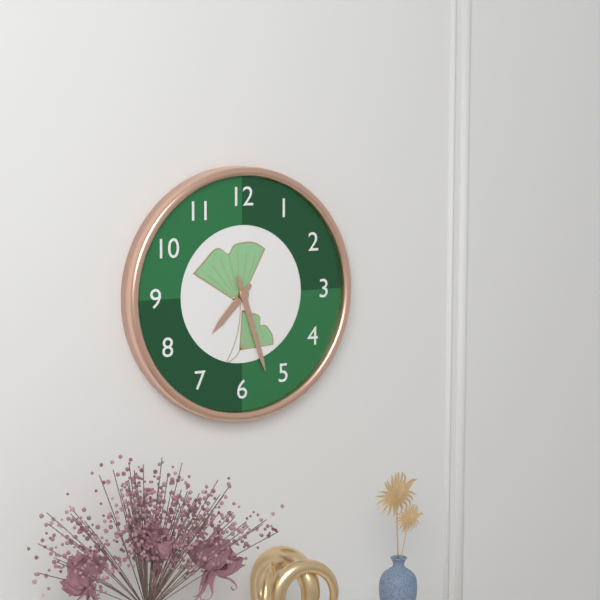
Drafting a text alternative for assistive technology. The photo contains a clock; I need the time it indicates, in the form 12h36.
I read 7h27
